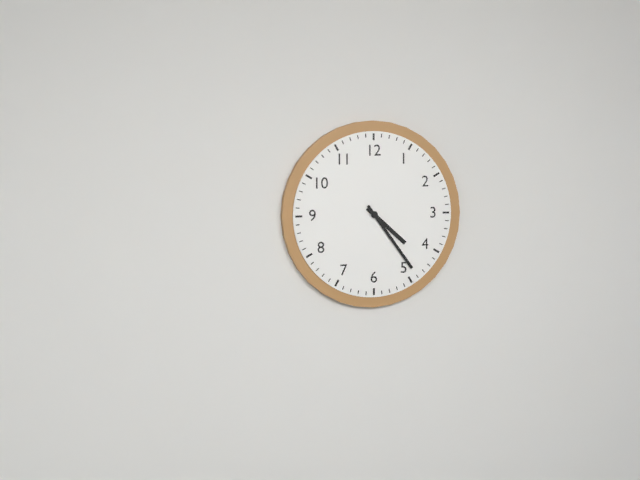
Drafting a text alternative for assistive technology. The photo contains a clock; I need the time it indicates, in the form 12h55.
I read 4h24
